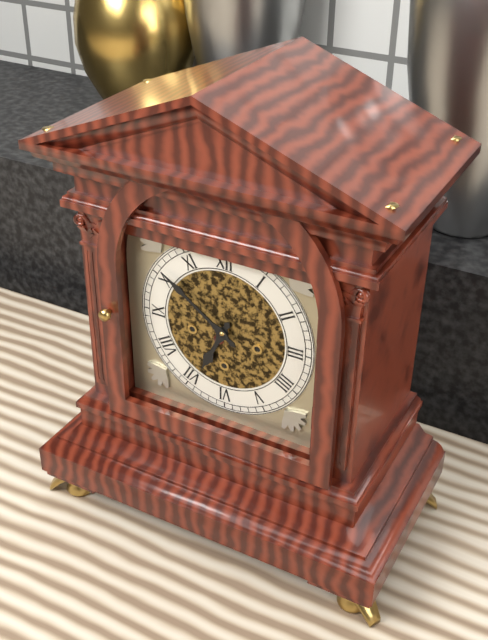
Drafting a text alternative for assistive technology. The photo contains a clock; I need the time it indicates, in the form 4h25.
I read 6h51
